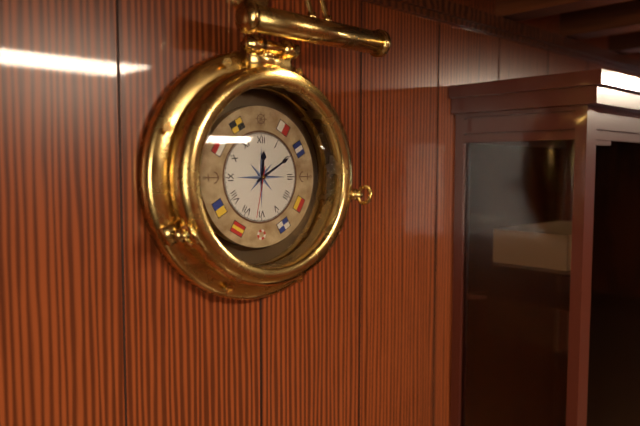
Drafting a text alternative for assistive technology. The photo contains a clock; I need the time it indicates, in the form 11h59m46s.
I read 12h10m32s
